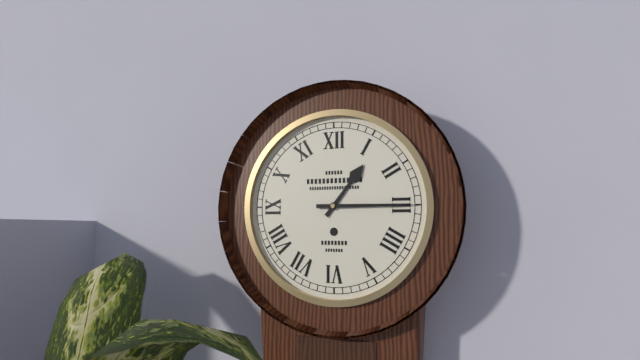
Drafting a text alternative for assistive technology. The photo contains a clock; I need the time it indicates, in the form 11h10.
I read 1h15
